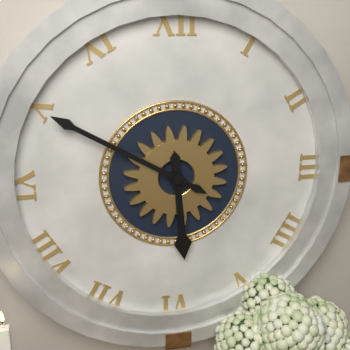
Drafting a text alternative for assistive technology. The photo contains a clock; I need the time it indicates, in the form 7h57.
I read 5h50
